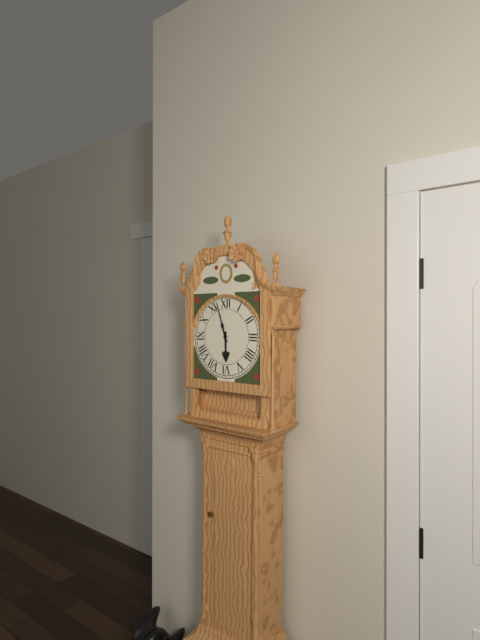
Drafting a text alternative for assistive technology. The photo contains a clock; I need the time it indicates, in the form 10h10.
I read 5h57
